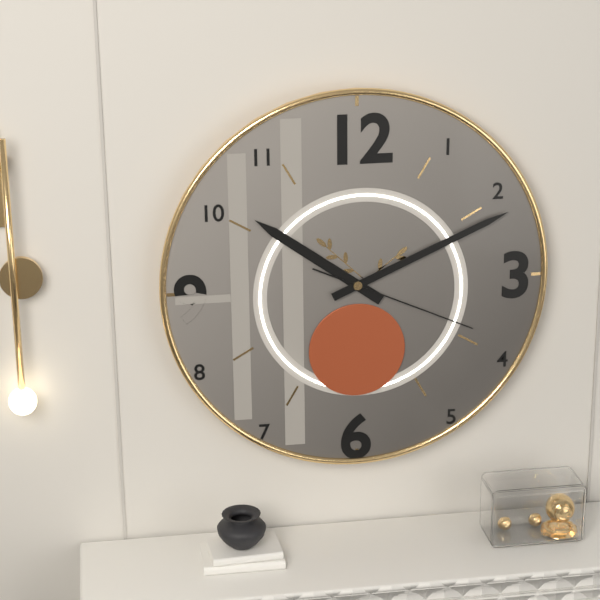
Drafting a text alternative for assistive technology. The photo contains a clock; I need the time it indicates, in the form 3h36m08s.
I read 10h11m19s
